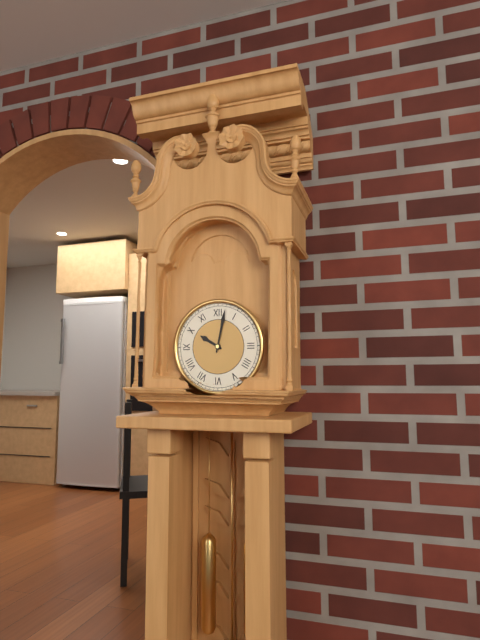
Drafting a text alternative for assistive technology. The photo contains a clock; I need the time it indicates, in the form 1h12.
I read 10h02
